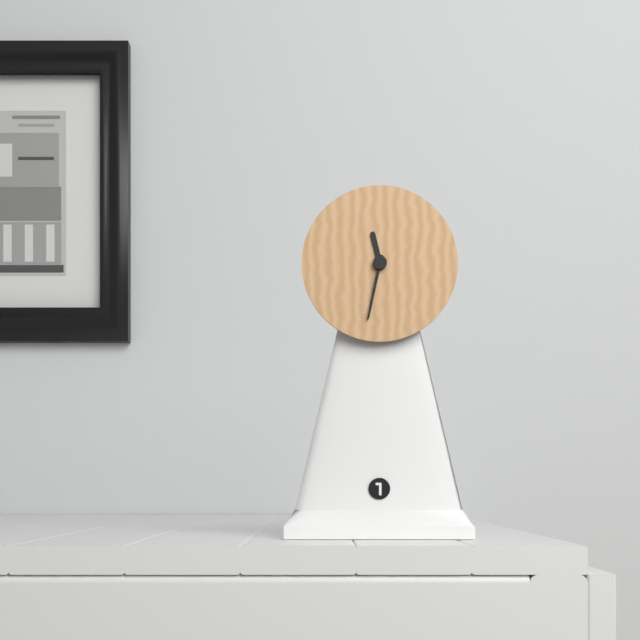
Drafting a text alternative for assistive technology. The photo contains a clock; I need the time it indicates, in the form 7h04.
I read 11h32
